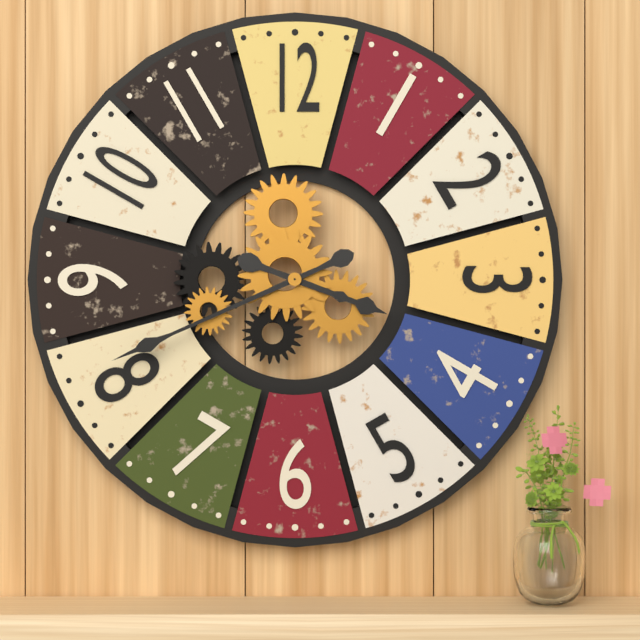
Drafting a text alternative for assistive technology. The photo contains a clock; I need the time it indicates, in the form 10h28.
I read 3h41
